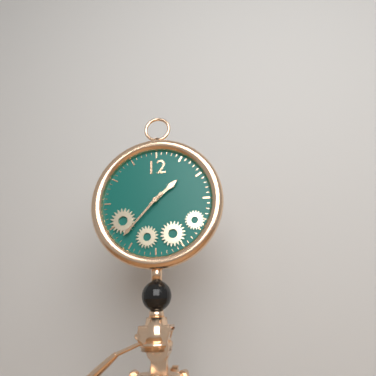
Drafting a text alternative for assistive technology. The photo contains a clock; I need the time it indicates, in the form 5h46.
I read 1h37
